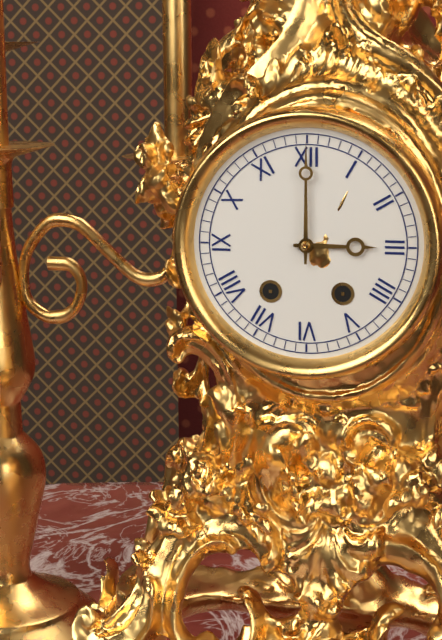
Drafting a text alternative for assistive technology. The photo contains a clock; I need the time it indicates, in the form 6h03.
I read 3h00
